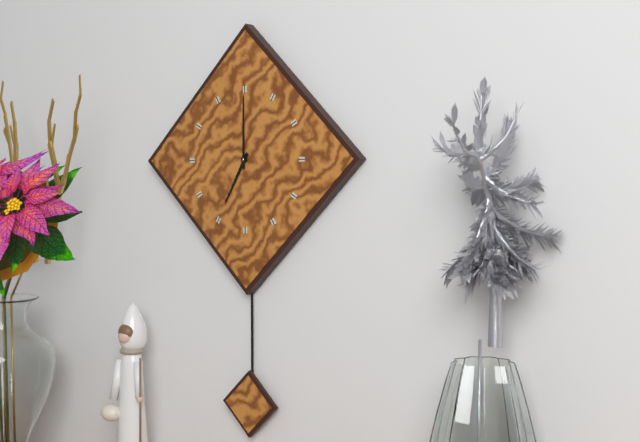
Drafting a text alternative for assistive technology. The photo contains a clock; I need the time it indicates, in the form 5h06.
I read 7h00
